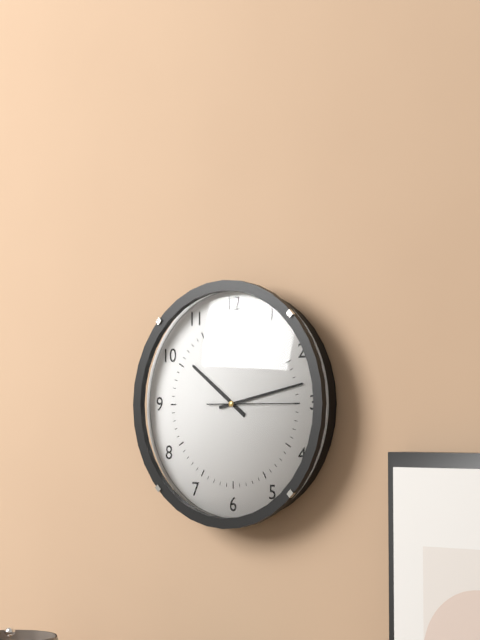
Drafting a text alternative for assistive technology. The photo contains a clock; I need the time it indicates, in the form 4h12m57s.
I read 10h13m15s
